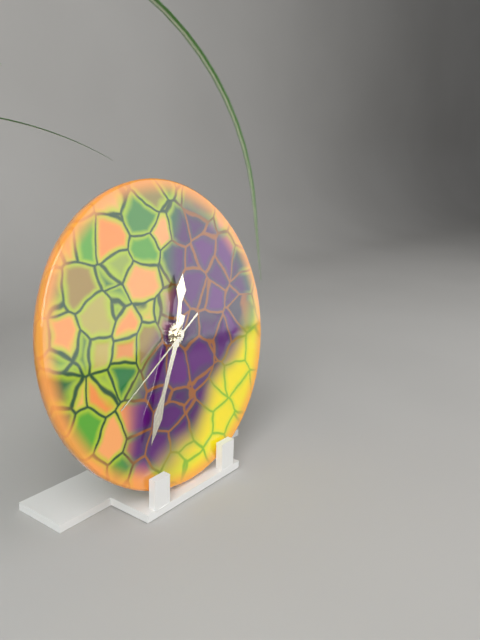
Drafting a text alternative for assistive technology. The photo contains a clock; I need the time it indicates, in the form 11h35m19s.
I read 12h35m40s
